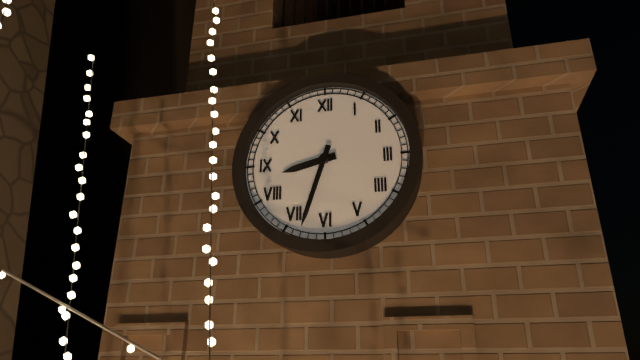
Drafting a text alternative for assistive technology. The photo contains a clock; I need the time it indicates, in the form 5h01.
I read 8h33
